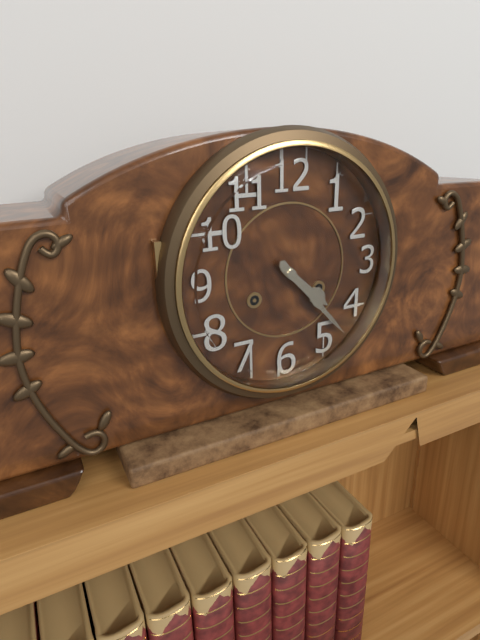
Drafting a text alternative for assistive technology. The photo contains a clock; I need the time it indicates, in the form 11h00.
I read 4h23
